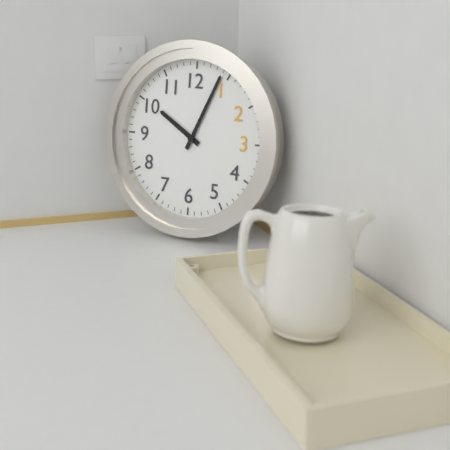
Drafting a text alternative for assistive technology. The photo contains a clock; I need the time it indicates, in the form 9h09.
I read 10h04
